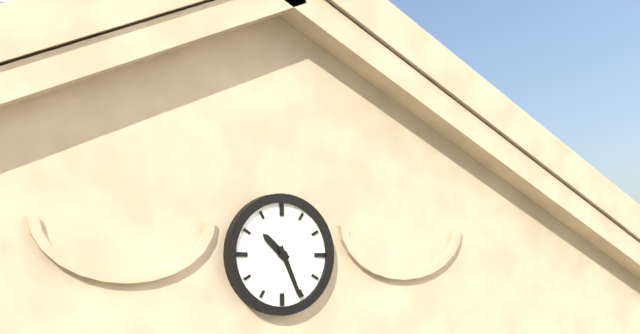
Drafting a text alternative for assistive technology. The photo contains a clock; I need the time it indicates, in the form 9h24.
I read 10h26
